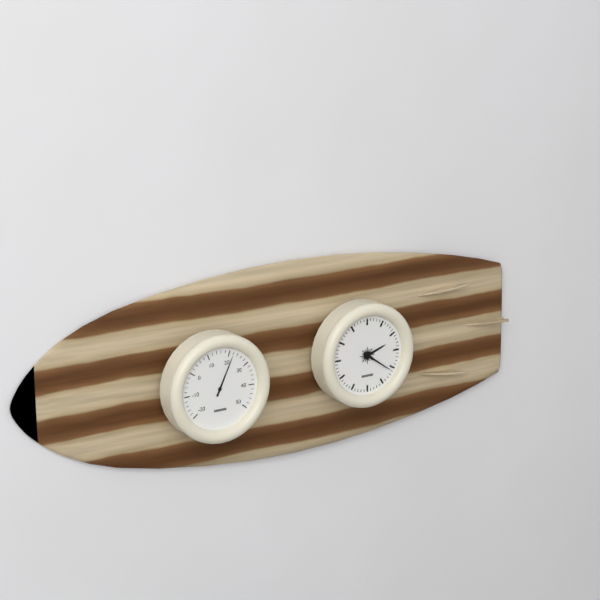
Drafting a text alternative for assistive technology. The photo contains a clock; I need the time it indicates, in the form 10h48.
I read 2h21
